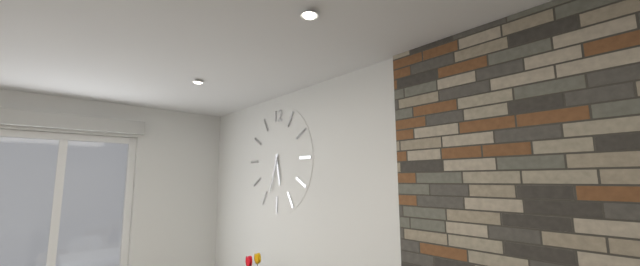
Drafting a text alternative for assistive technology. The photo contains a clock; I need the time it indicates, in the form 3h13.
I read 5h33
